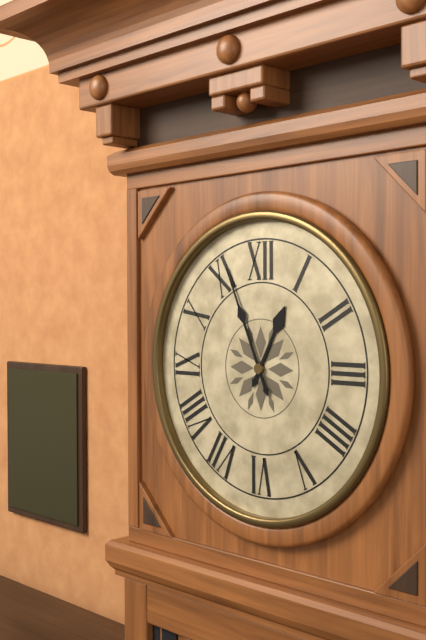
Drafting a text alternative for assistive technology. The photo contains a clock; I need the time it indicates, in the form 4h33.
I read 12h56
